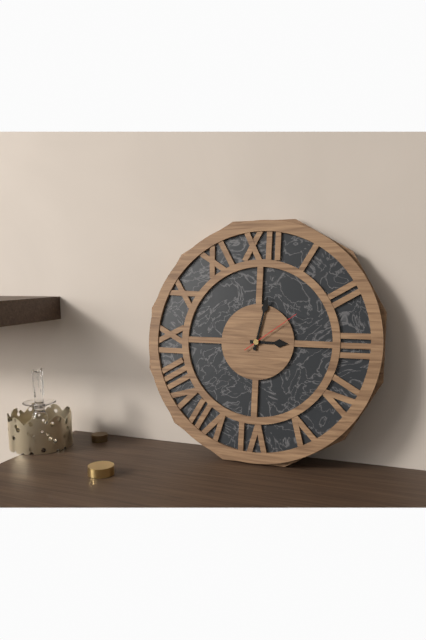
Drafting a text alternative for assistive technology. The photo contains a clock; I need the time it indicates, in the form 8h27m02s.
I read 3h02m09s
